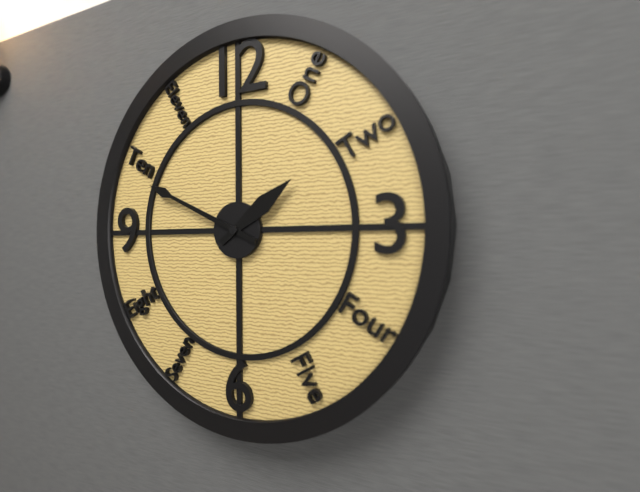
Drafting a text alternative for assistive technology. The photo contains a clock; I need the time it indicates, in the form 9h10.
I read 1h49
